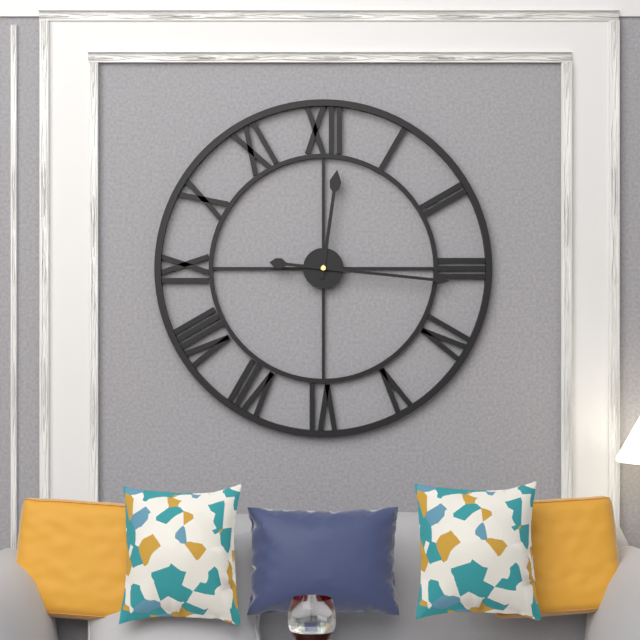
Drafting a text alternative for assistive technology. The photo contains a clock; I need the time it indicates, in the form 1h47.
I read 12h16
